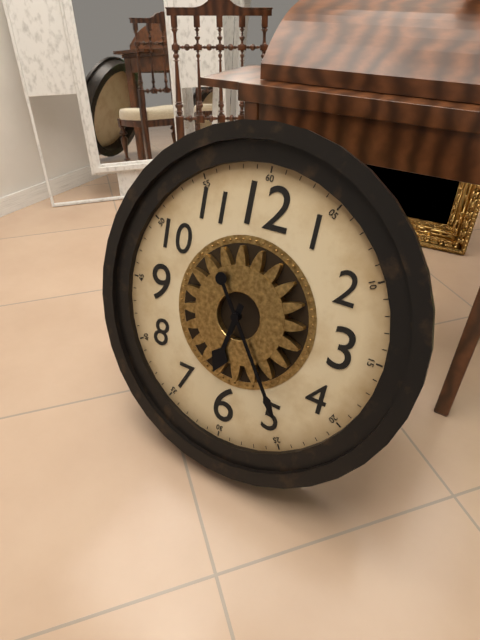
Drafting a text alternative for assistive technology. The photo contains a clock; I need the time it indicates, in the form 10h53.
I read 6h24
